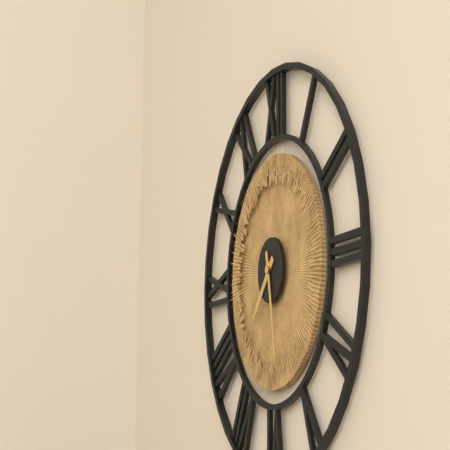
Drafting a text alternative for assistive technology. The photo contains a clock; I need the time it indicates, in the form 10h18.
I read 7h28
